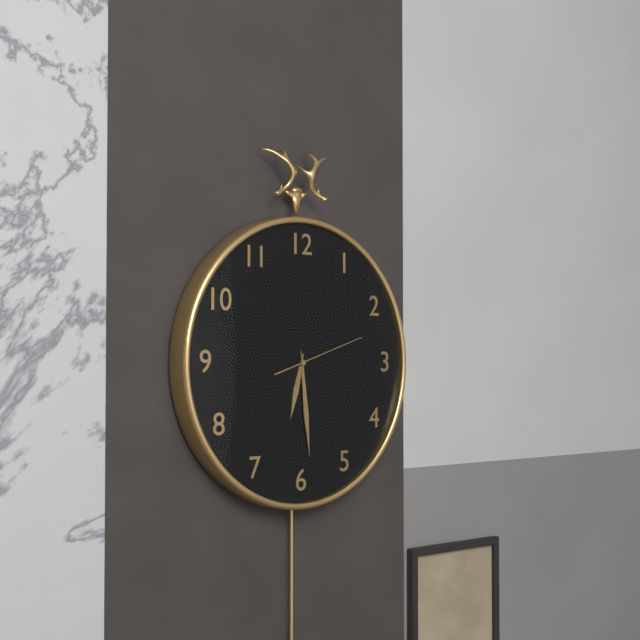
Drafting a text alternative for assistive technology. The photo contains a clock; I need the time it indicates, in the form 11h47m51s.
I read 6h29m12s
